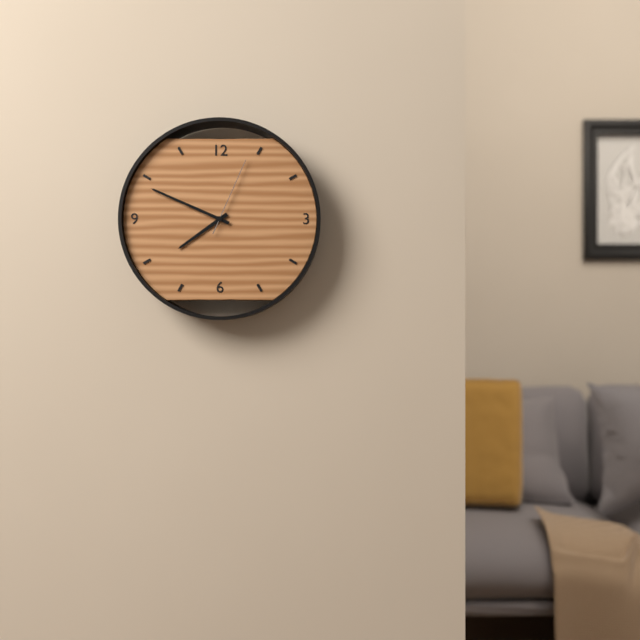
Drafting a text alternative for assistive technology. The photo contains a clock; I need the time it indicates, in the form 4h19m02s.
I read 7h49m04s
